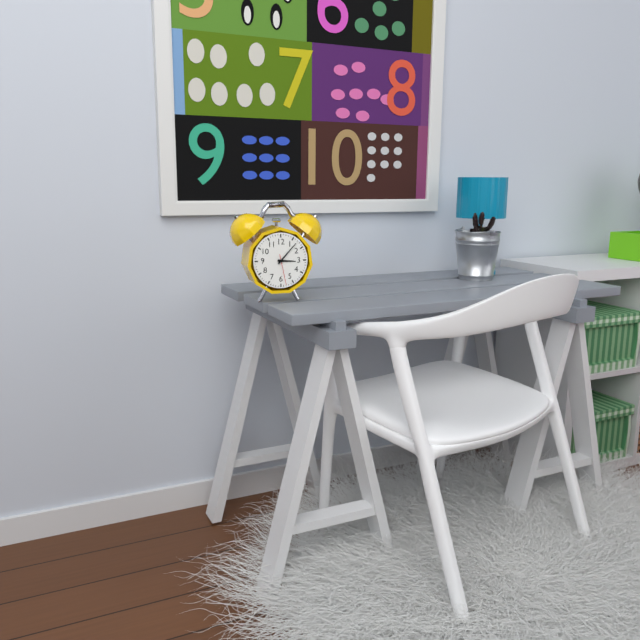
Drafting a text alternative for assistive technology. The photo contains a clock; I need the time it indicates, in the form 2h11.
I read 3h07
